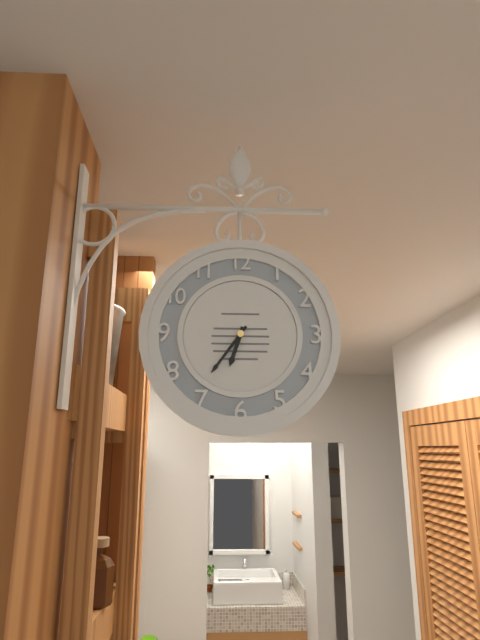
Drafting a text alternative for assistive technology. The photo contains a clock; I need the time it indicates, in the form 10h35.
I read 6h36
